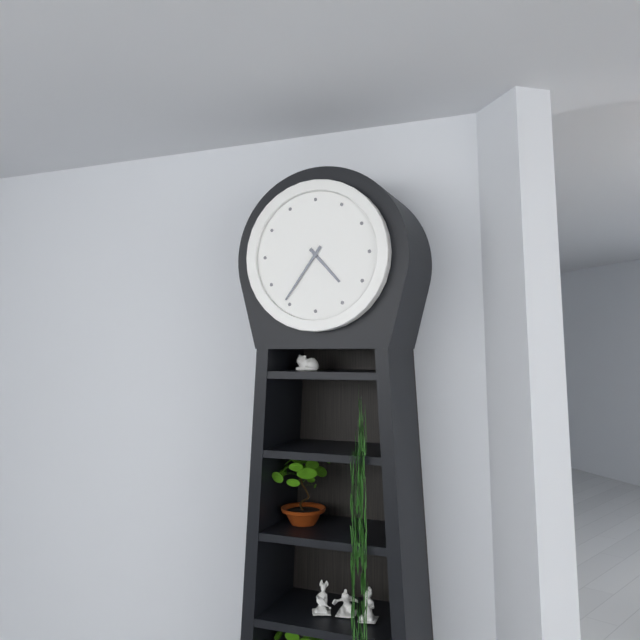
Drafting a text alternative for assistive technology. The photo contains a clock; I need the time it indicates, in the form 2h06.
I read 4h36
